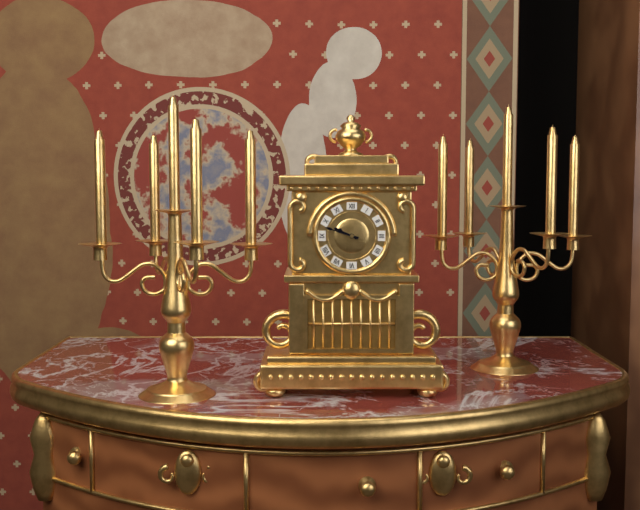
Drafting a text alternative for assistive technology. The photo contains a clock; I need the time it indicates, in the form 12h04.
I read 9h48
